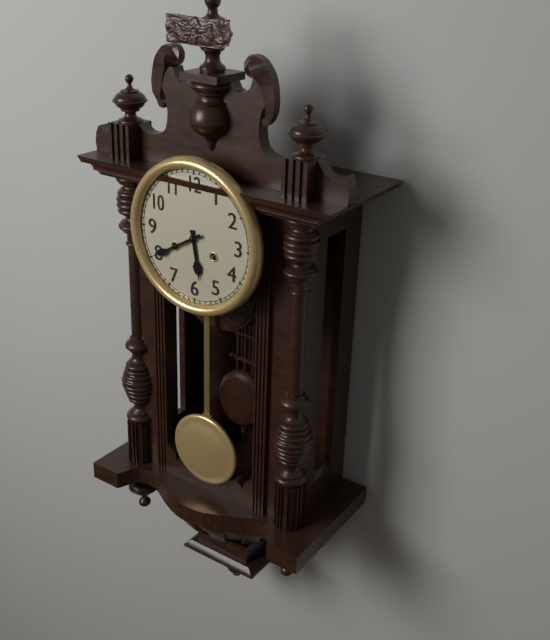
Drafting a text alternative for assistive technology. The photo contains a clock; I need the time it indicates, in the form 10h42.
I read 5h40
